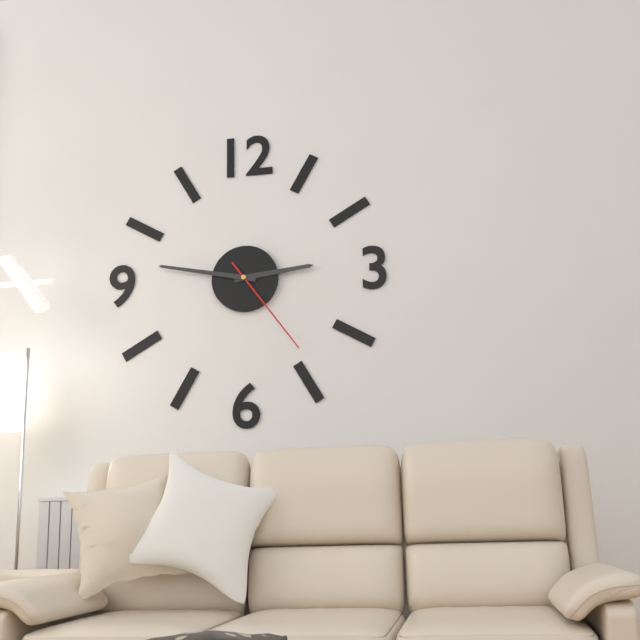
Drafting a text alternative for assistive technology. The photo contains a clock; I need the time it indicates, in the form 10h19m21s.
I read 2h47m24s
